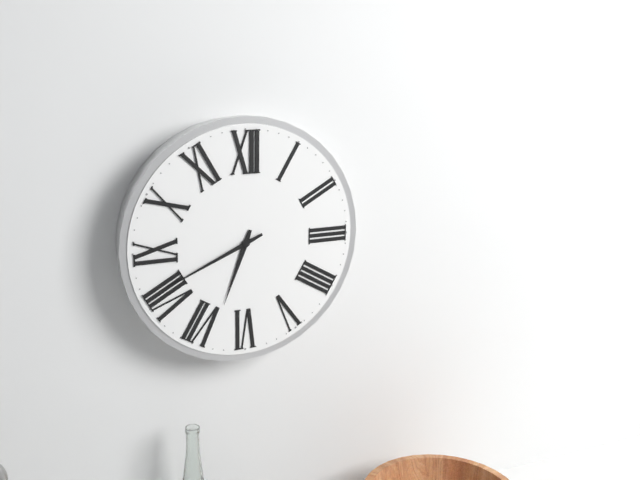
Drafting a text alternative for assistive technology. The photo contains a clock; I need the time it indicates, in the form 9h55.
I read 6h41
